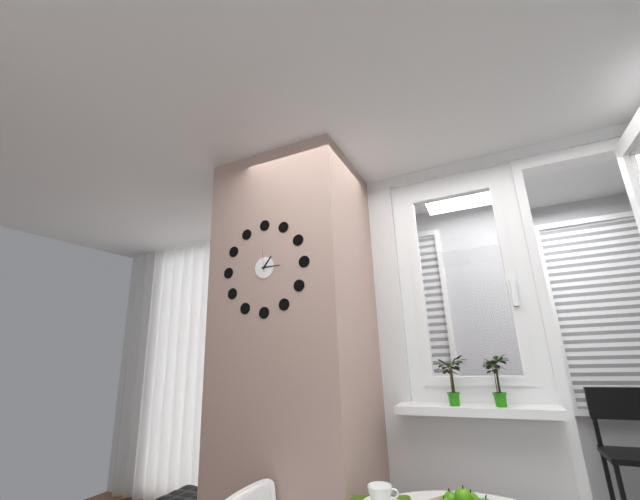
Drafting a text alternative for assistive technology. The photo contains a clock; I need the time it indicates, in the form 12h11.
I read 1h15
